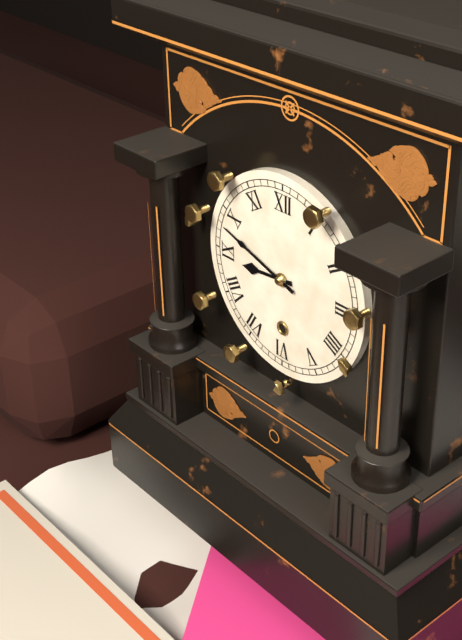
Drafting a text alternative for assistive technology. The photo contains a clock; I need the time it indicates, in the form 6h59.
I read 8h48
